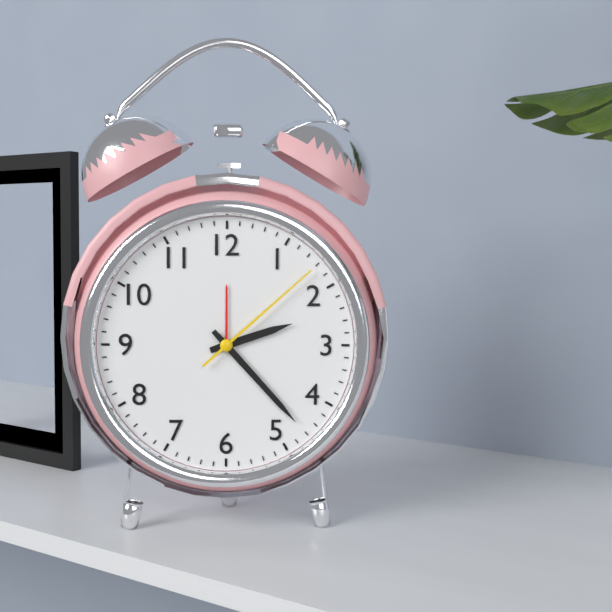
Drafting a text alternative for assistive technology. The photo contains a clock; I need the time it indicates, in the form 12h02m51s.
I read 2h23m08s
